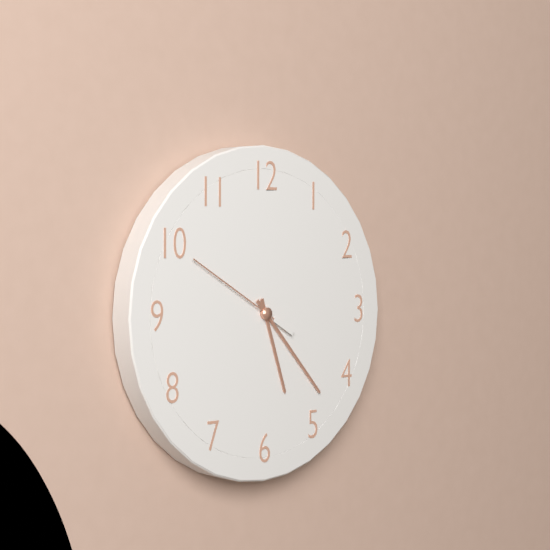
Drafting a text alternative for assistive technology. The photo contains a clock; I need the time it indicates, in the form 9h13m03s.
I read 5h23m50s
